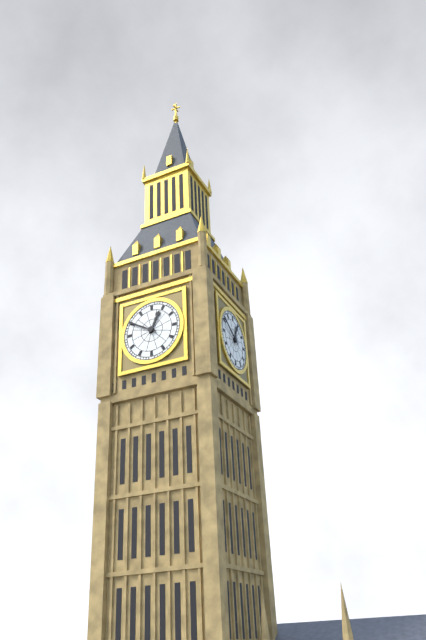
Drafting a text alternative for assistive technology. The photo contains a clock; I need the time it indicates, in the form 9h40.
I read 12h50
